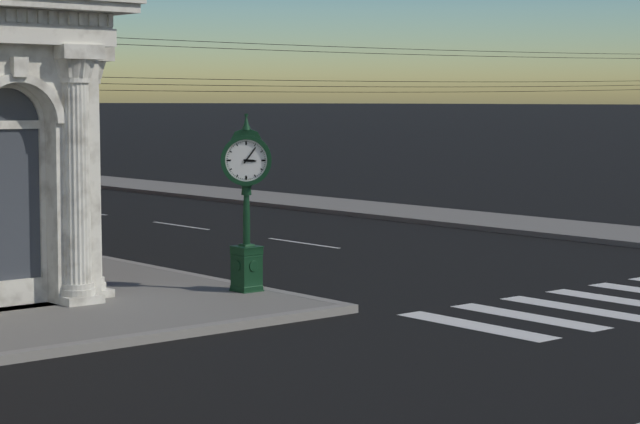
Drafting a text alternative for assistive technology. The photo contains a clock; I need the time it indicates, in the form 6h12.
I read 3h06
